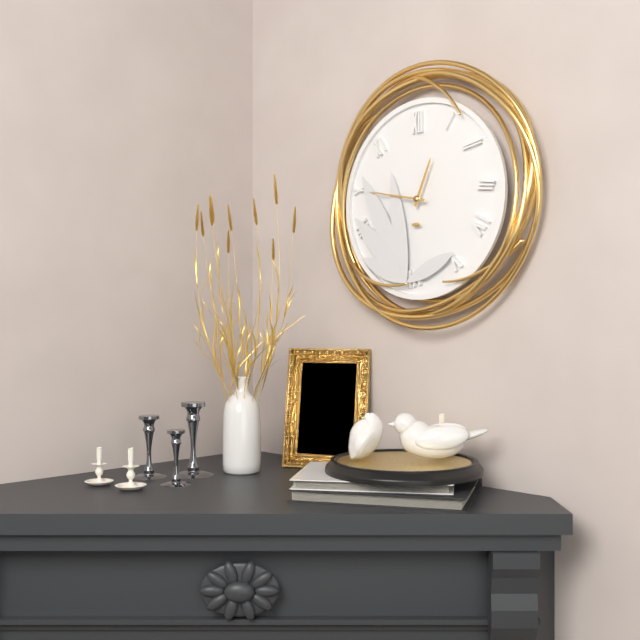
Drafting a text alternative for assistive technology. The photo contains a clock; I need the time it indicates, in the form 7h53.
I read 12h47
